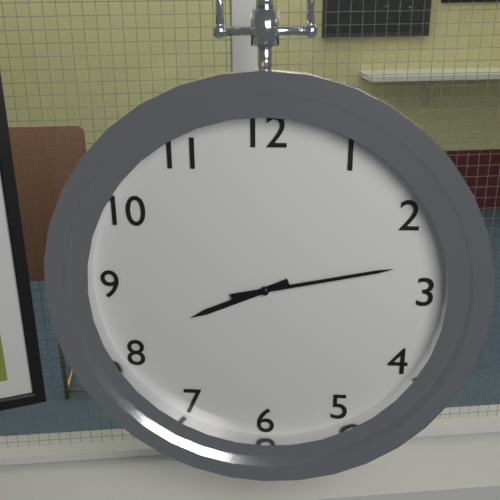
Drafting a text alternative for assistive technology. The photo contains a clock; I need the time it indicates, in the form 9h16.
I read 8h13
